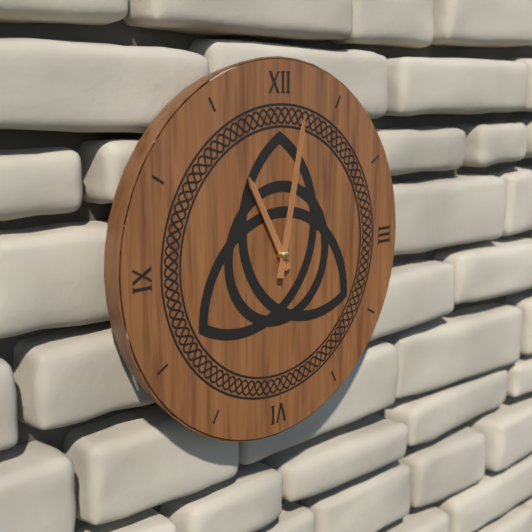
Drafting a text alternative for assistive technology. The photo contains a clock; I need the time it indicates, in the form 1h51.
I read 11h02
